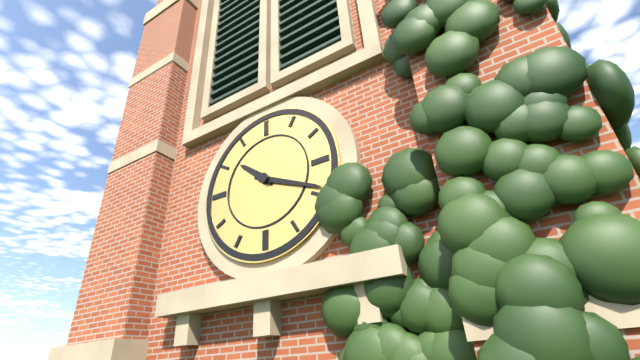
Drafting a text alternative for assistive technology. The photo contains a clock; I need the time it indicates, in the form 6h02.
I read 10h19
